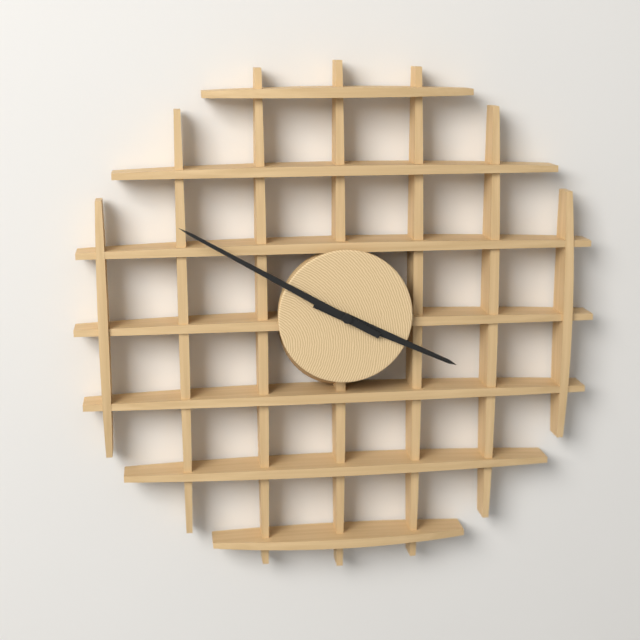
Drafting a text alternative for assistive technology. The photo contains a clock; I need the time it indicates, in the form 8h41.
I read 3h50
